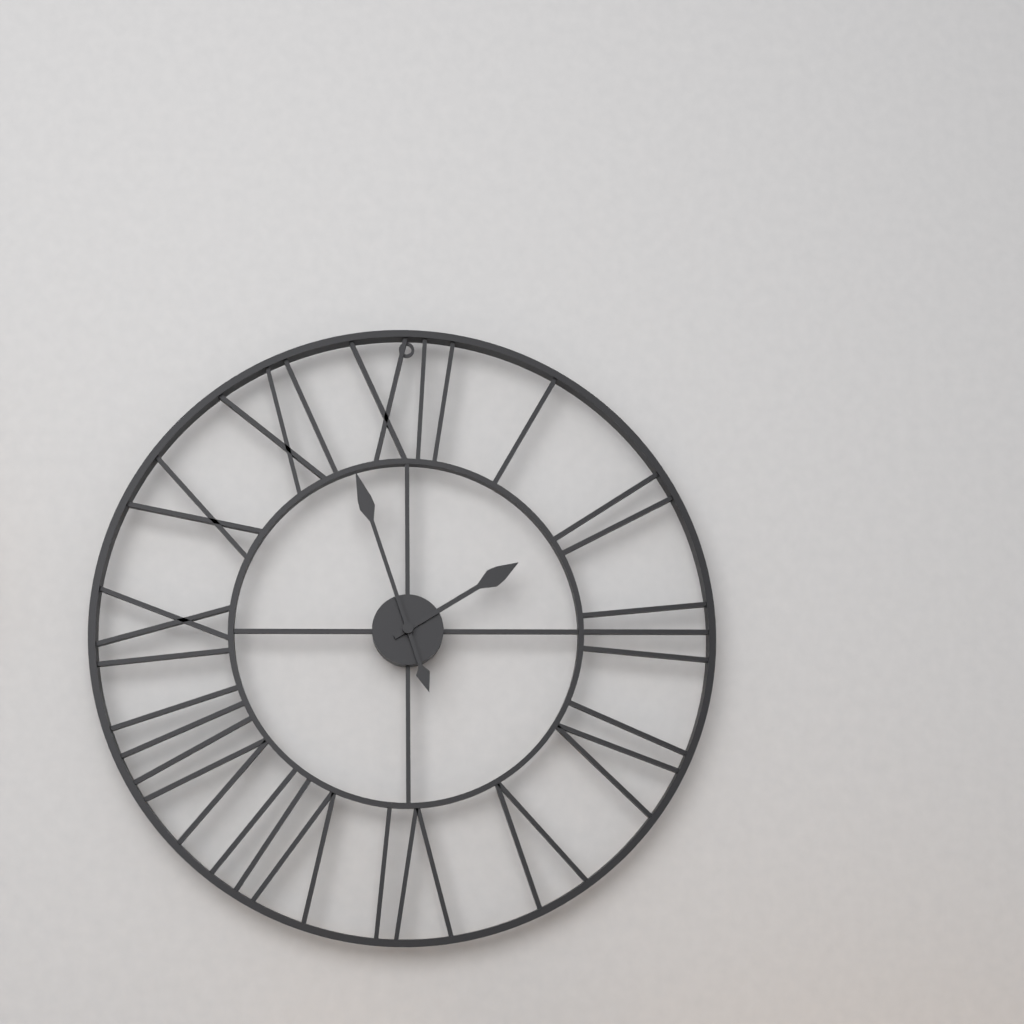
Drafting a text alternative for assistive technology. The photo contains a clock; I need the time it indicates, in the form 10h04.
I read 1h57
